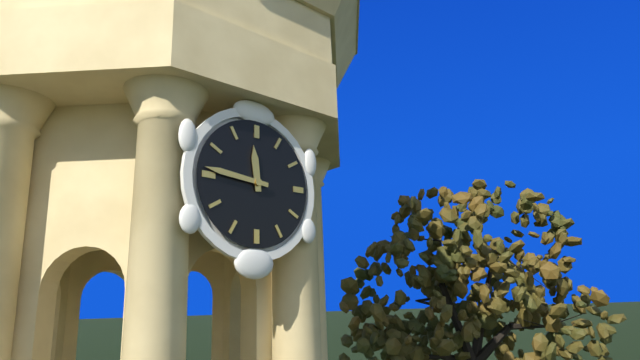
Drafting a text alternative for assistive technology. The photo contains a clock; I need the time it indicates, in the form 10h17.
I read 11h46
